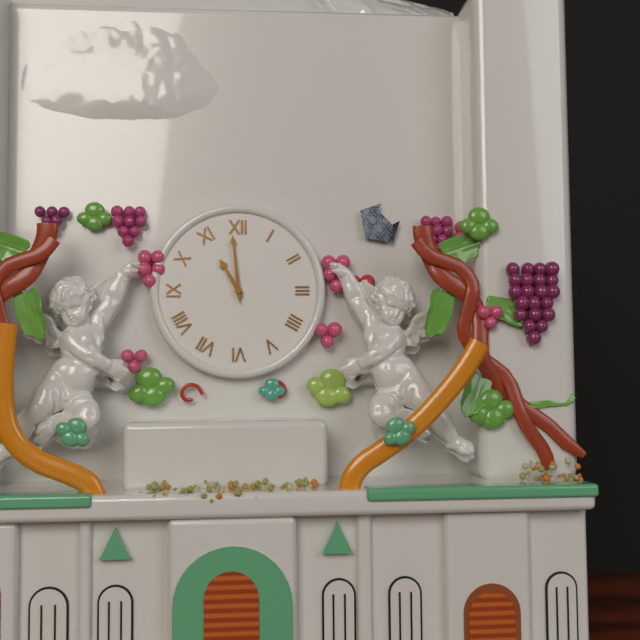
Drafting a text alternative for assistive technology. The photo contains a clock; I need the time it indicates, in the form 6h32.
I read 10h59
